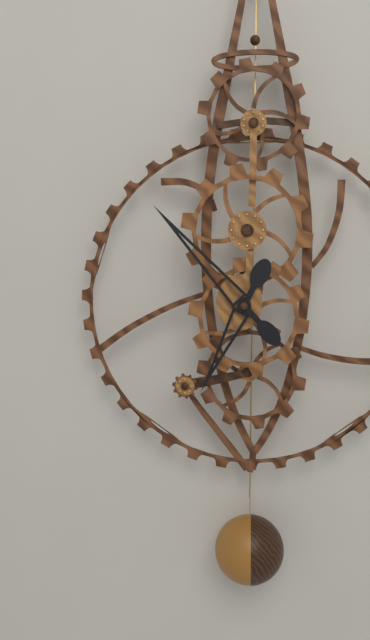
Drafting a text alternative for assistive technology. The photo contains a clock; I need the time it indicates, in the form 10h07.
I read 6h53
